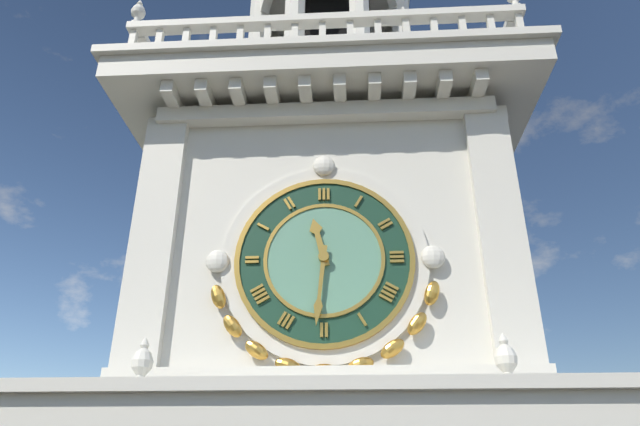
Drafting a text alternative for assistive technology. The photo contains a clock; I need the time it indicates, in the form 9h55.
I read 11h31
